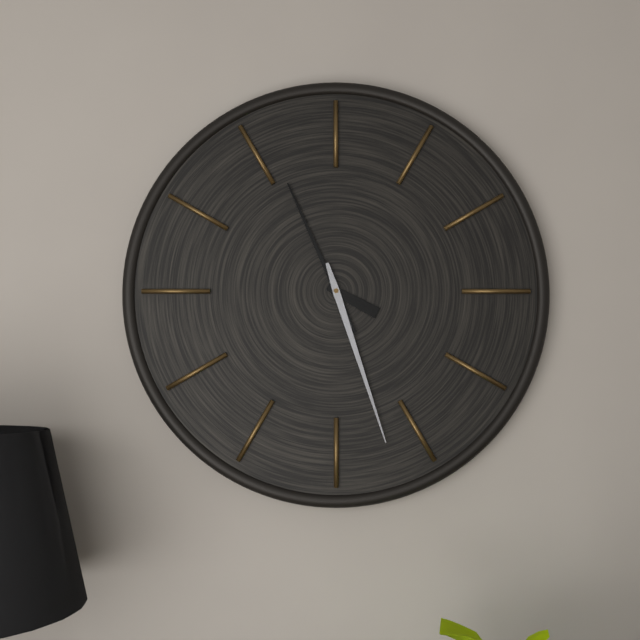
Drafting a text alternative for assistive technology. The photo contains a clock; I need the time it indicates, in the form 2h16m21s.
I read 3h56m27s
